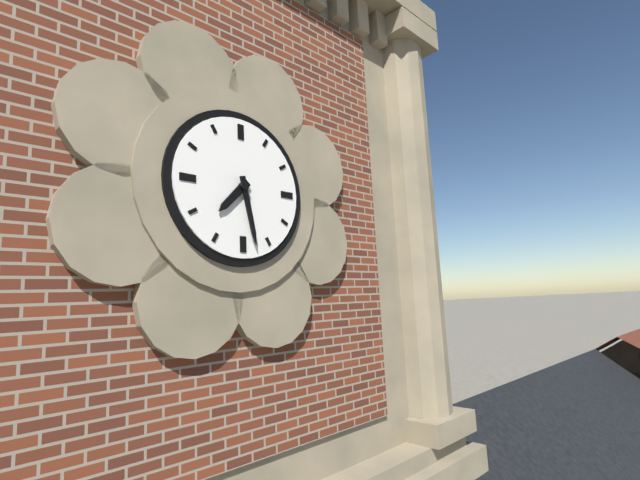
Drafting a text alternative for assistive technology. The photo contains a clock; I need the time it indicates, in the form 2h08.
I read 7h28
